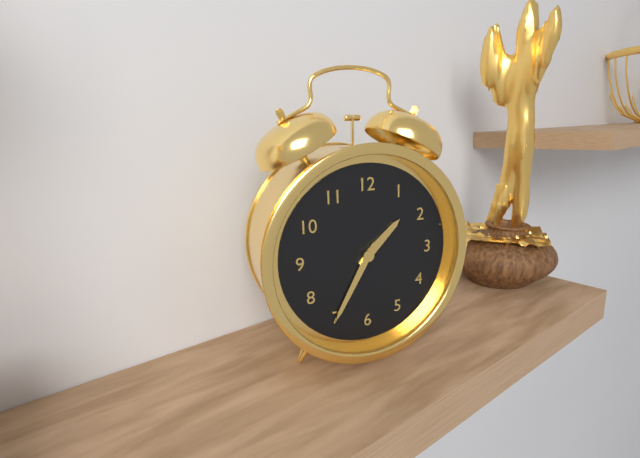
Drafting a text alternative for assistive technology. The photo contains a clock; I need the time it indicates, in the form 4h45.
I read 1h35
